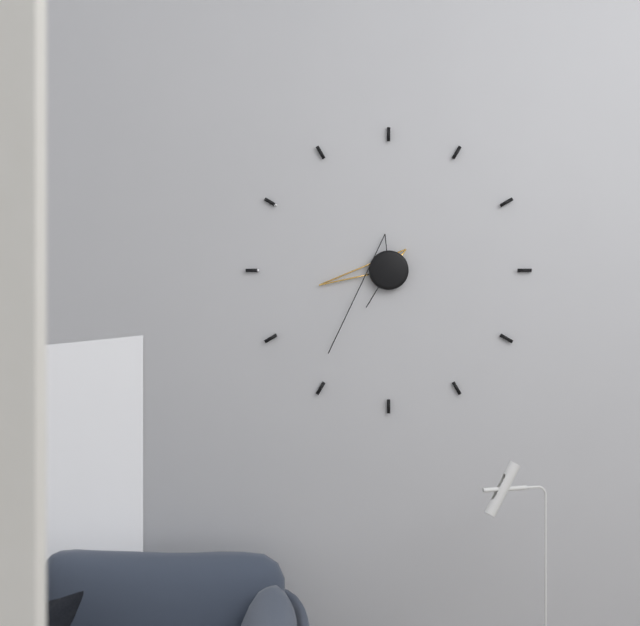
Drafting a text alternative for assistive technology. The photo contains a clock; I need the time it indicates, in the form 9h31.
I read 8h36
